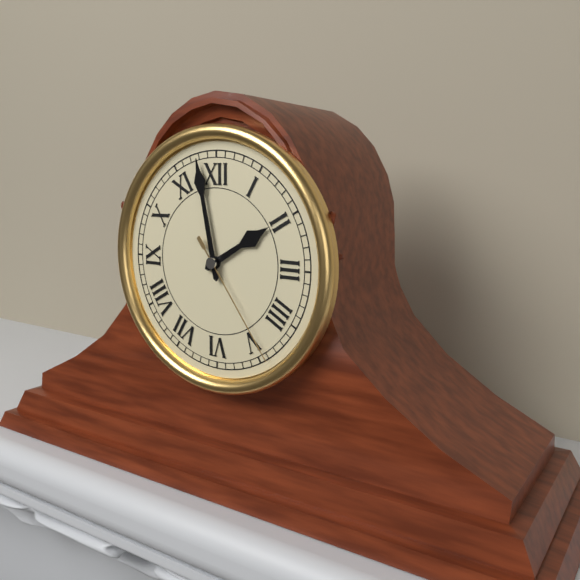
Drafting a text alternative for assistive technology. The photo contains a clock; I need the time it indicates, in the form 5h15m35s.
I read 1h58m24s
